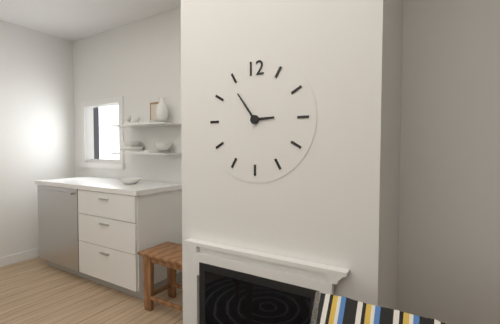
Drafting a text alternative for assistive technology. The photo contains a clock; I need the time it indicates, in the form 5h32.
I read 2h54
